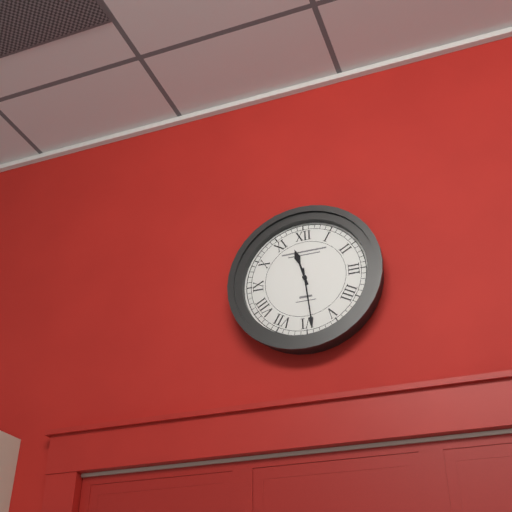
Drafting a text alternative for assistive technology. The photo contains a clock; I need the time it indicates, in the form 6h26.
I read 11h29
